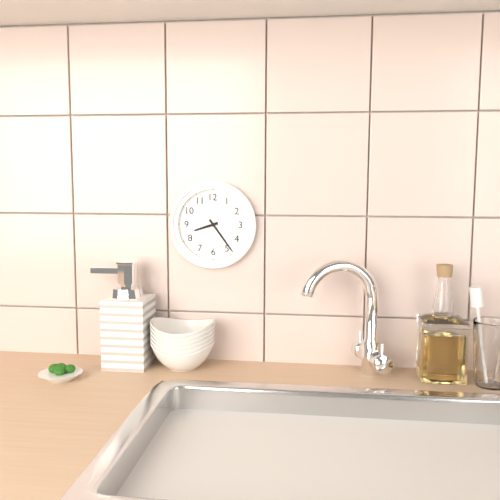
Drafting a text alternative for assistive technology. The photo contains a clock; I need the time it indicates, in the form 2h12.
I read 8h24
